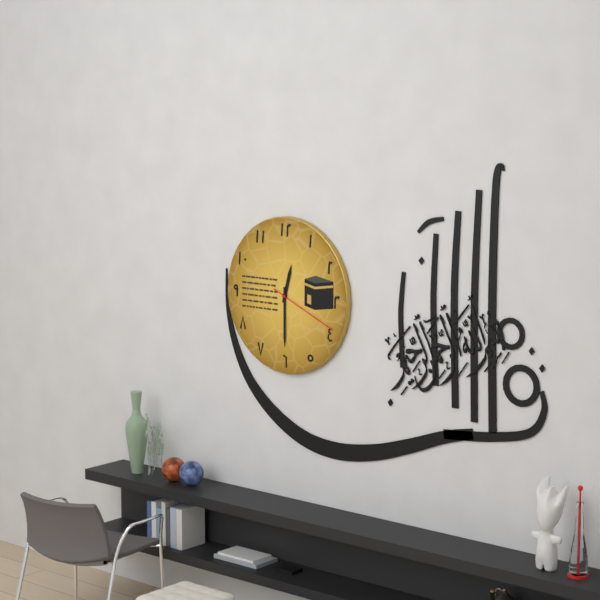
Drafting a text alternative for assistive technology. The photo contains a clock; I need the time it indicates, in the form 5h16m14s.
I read 12h30m19s
